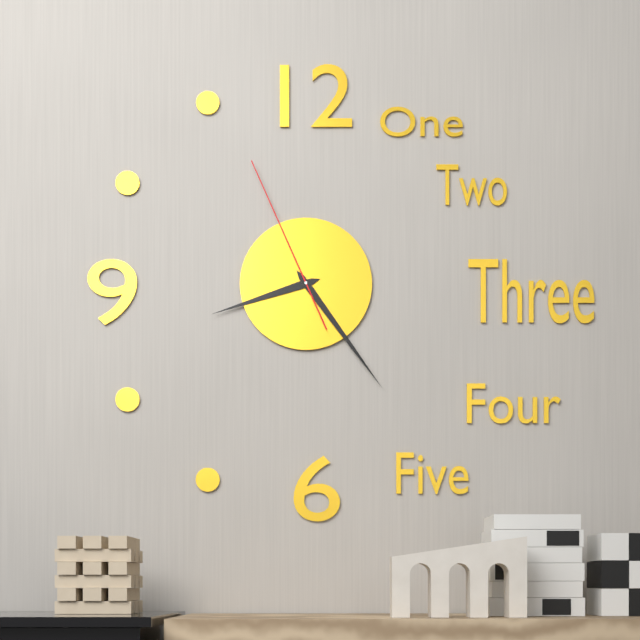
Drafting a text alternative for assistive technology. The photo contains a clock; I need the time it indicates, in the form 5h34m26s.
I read 8h24m56s
